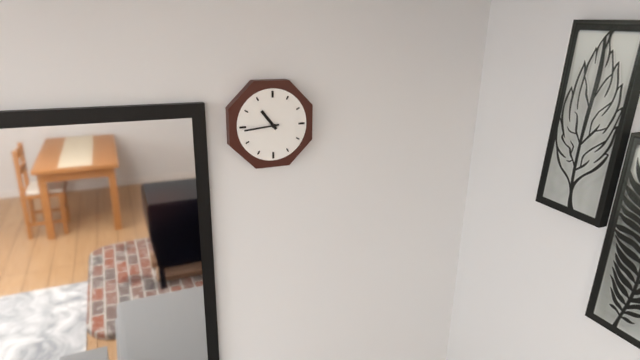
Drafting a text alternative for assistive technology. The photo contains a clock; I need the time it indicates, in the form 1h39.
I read 10h44
